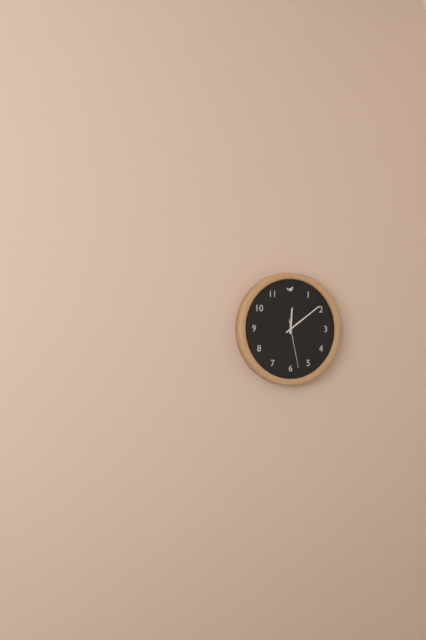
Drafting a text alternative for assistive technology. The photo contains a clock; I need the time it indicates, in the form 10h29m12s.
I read 12h09m28s
